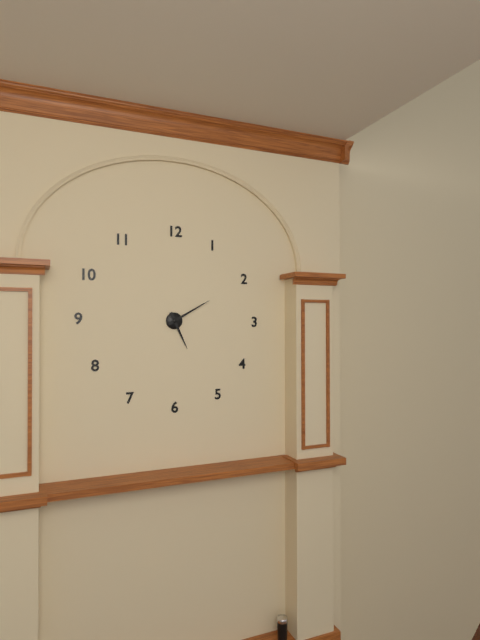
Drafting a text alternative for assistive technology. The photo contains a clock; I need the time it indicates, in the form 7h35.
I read 5h10
